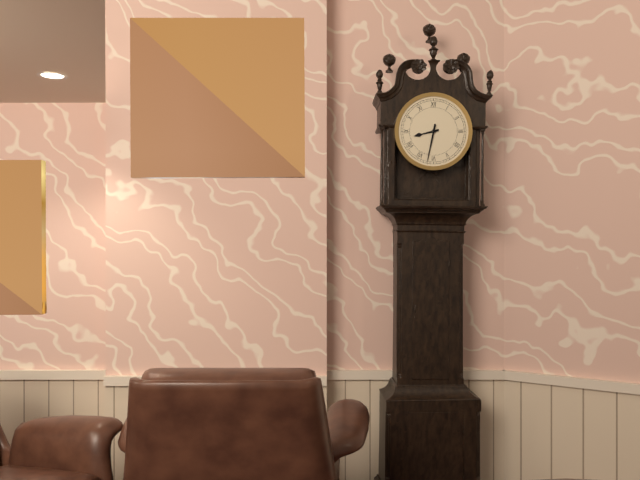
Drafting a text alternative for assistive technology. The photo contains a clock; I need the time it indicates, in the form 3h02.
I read 8h32
